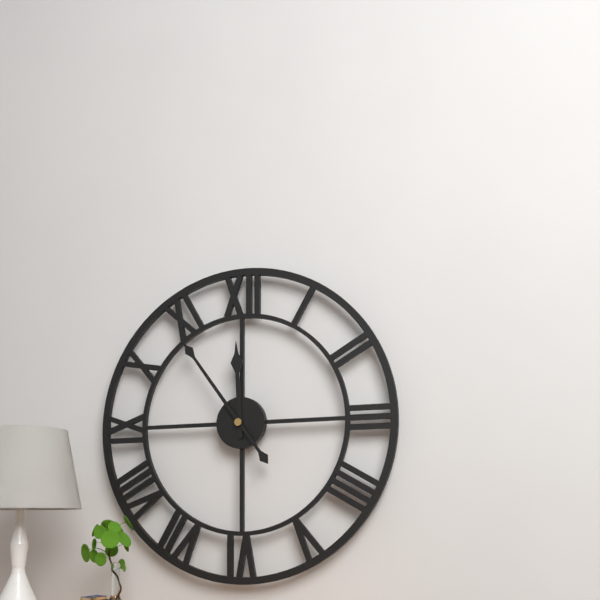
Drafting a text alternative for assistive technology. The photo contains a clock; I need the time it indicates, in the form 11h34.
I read 11h54
